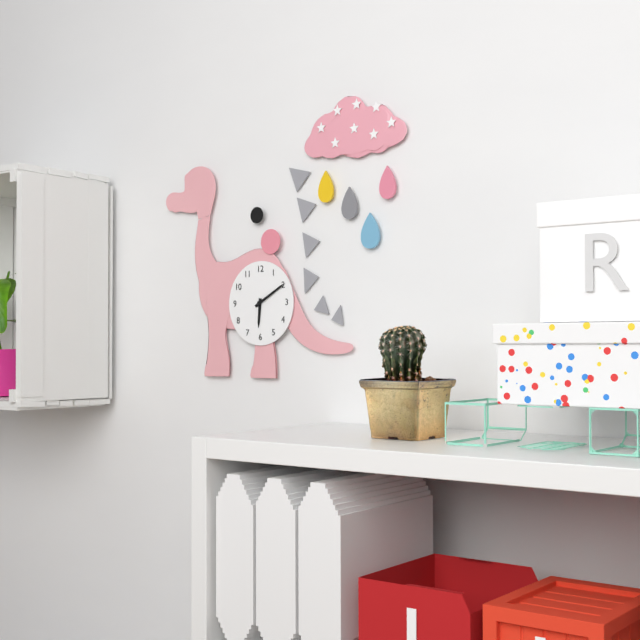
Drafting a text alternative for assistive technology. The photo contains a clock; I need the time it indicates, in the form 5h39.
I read 6h10
